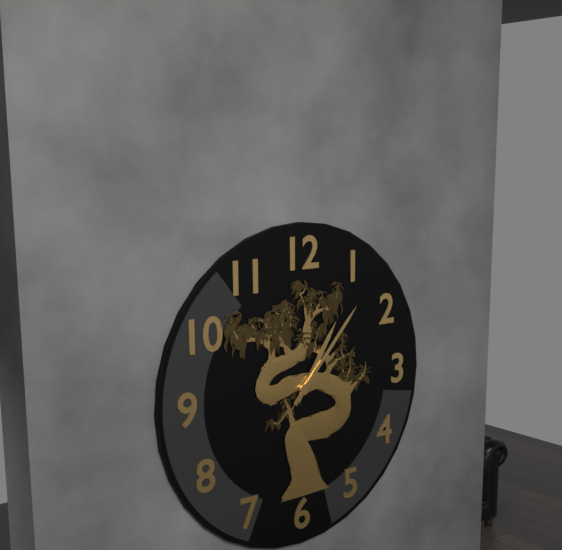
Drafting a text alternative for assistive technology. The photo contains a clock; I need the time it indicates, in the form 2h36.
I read 1h07
